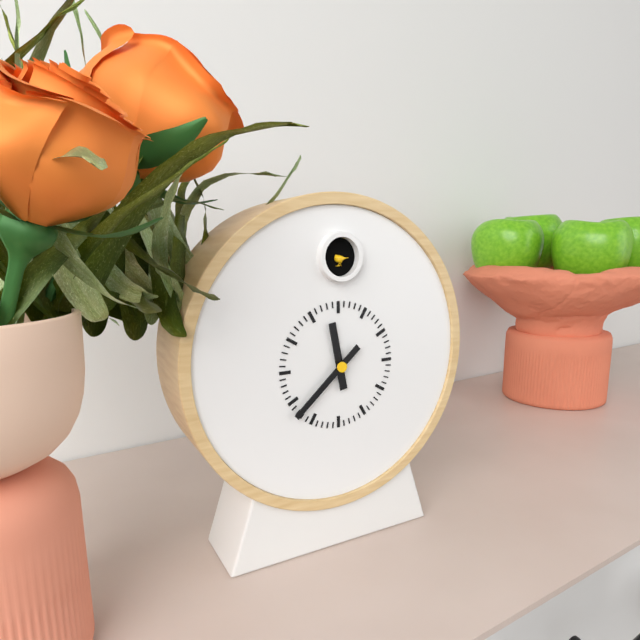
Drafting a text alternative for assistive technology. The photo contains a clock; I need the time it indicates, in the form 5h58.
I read 11h38
